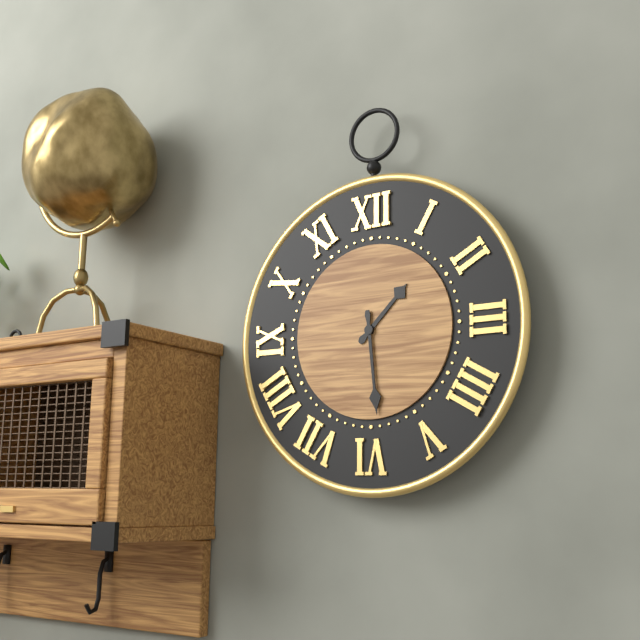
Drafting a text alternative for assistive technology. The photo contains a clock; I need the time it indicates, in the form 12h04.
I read 1h29
